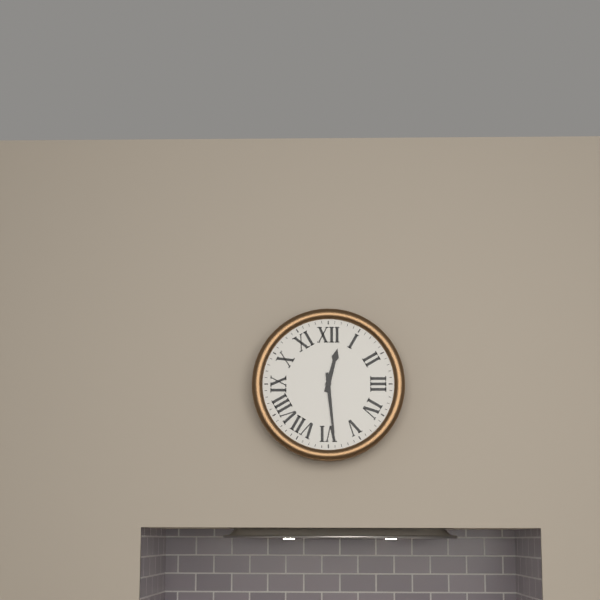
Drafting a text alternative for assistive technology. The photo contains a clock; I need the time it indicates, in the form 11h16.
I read 12h29
